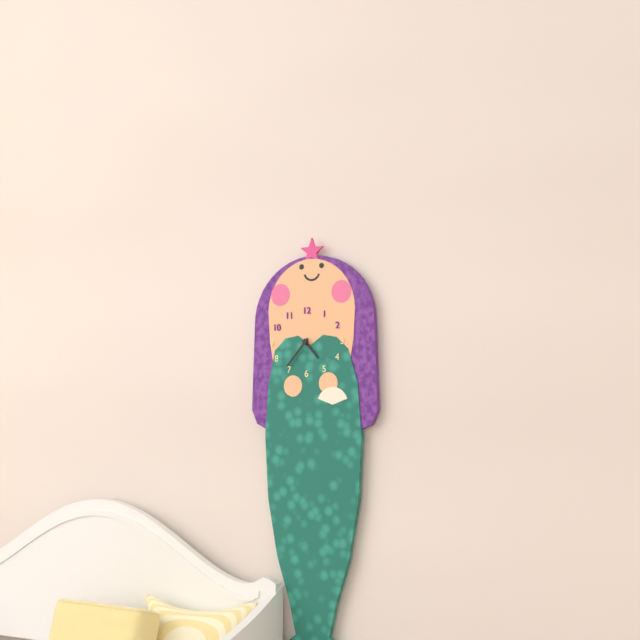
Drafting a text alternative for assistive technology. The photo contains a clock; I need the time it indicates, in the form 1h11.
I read 4h37
